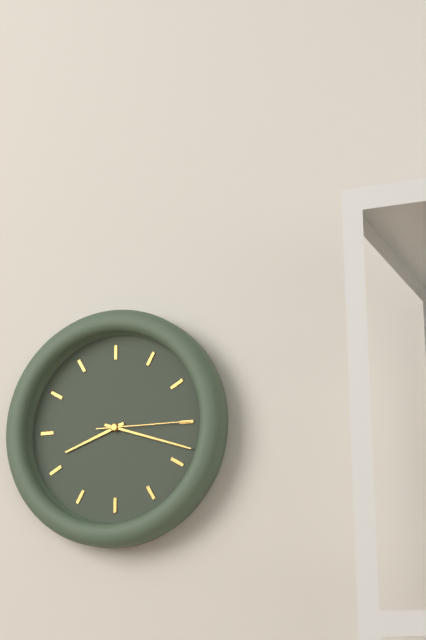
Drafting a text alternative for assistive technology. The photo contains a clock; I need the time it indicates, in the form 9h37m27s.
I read 8h18m15s
